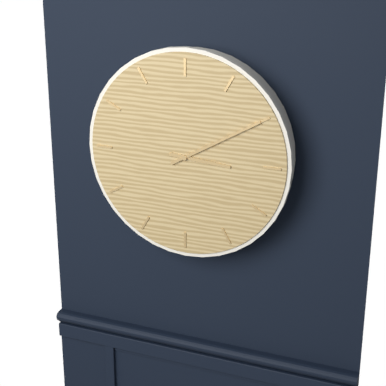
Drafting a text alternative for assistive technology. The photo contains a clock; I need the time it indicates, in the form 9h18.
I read 3h10
